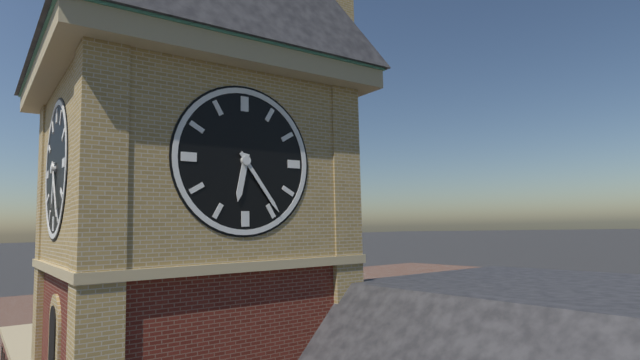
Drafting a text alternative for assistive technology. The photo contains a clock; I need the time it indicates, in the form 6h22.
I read 6h24
